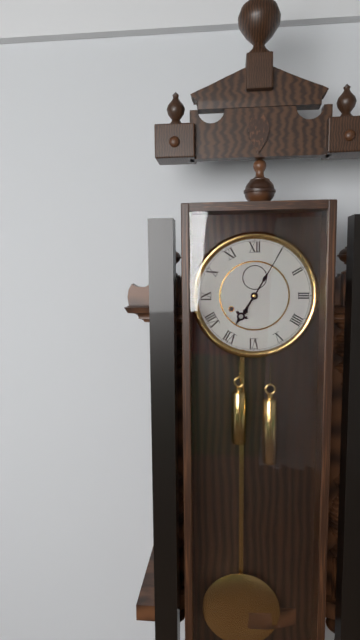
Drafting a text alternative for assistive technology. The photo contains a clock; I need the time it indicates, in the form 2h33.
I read 7h05
